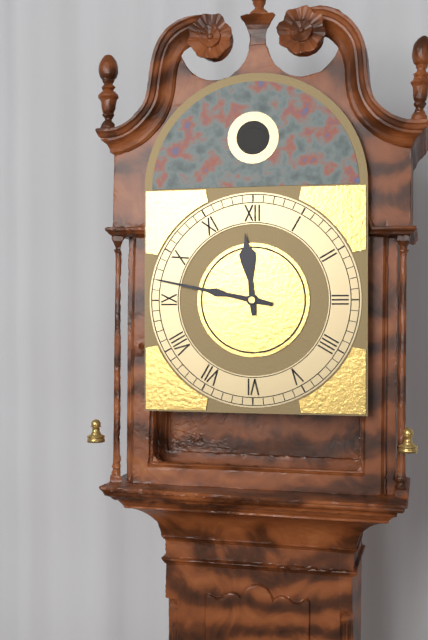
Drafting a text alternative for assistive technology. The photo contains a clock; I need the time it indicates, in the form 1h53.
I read 11h47
